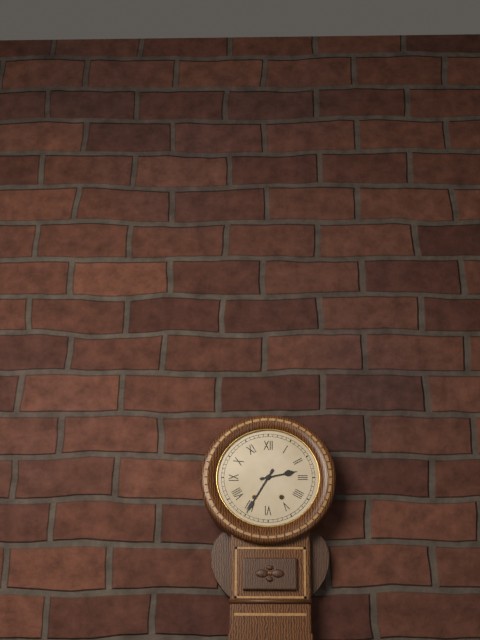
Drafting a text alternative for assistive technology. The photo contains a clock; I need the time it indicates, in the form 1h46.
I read 2h35
